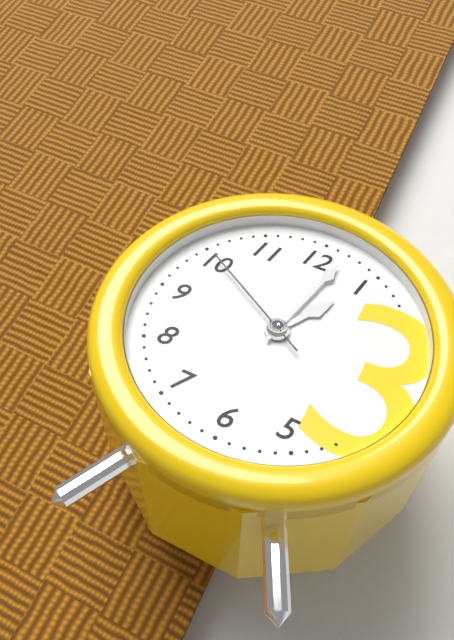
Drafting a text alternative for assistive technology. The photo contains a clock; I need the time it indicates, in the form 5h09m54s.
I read 1h02m50s
